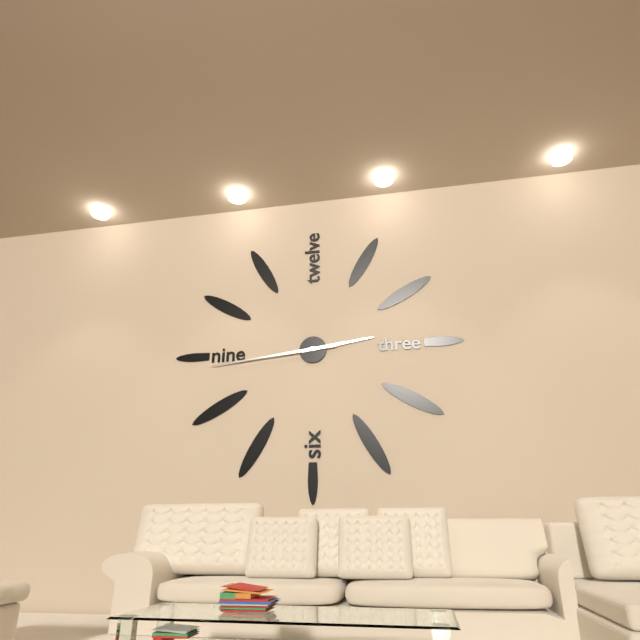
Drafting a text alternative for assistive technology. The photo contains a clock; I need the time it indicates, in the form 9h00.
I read 2h44
